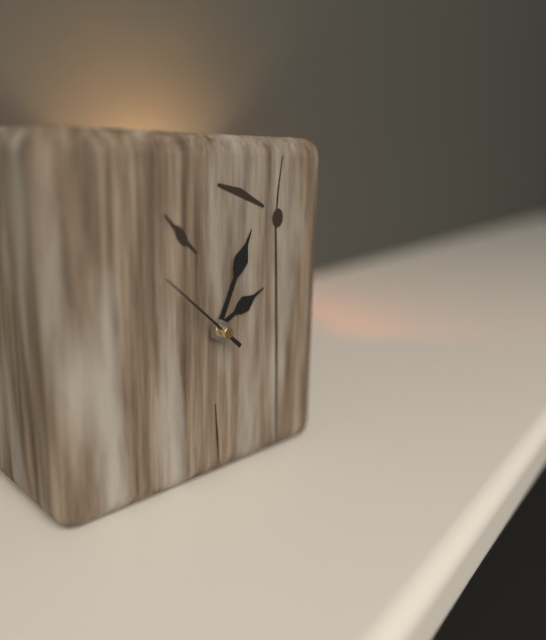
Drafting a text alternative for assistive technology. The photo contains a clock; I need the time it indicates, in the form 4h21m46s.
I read 2h04m52s
